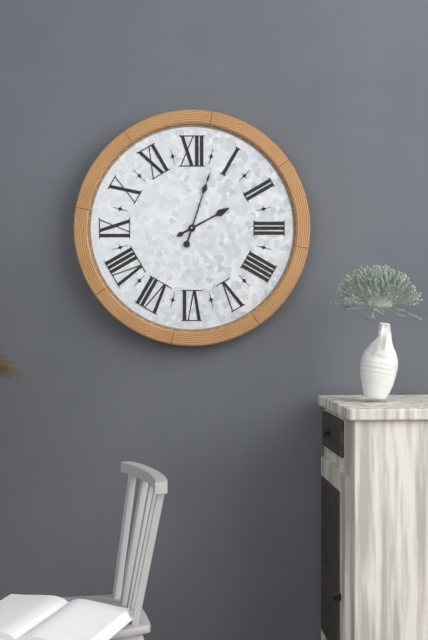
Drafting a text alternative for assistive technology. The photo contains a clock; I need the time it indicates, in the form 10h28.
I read 2h03
